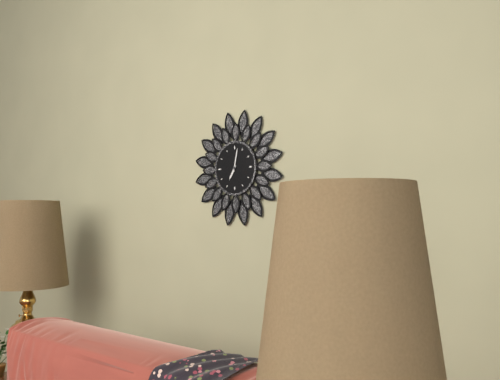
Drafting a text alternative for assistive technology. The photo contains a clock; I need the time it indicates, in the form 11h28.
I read 7h02
